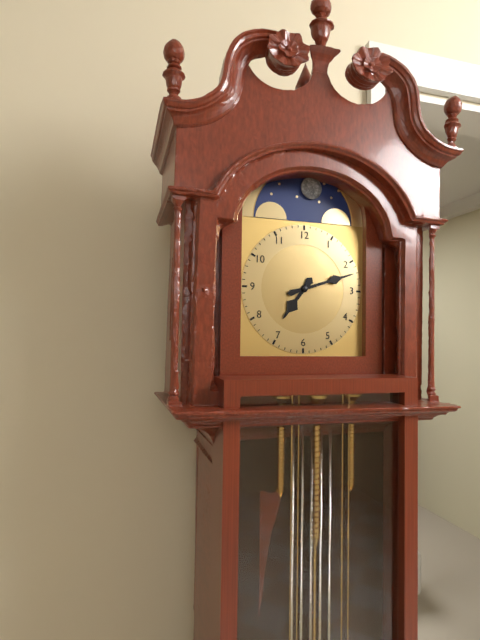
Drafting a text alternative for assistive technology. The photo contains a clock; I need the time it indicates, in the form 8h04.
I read 7h12
